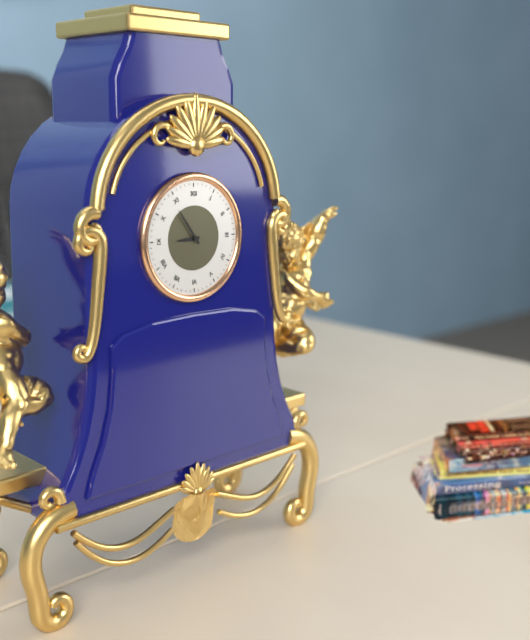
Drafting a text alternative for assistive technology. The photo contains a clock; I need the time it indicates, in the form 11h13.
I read 8h54
